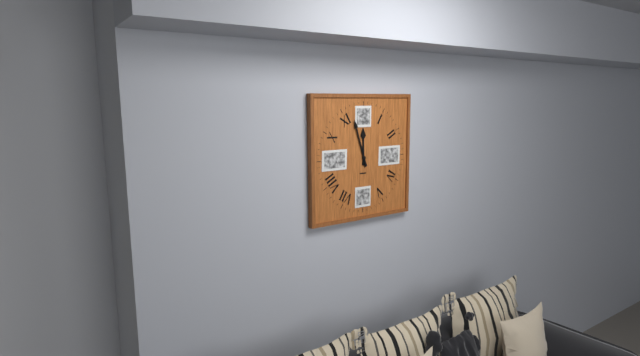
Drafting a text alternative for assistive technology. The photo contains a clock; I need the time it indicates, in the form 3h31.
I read 11h57
